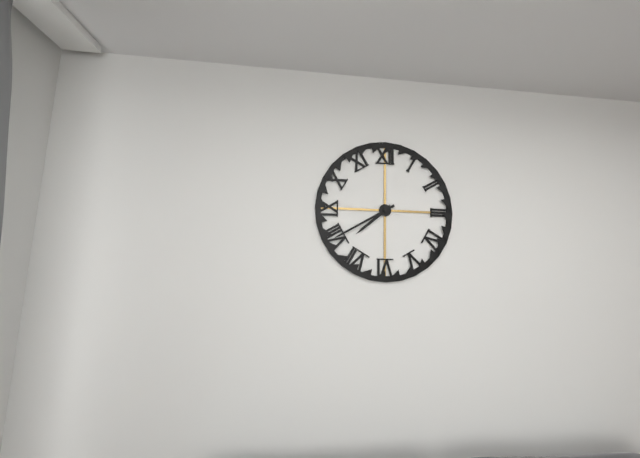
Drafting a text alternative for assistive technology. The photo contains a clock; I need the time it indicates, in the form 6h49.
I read 7h40
